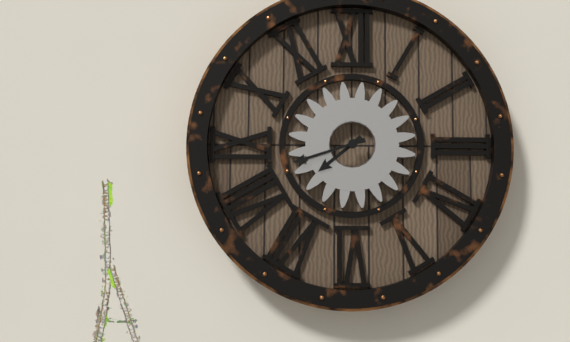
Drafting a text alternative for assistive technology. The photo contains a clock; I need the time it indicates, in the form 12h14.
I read 7h42
